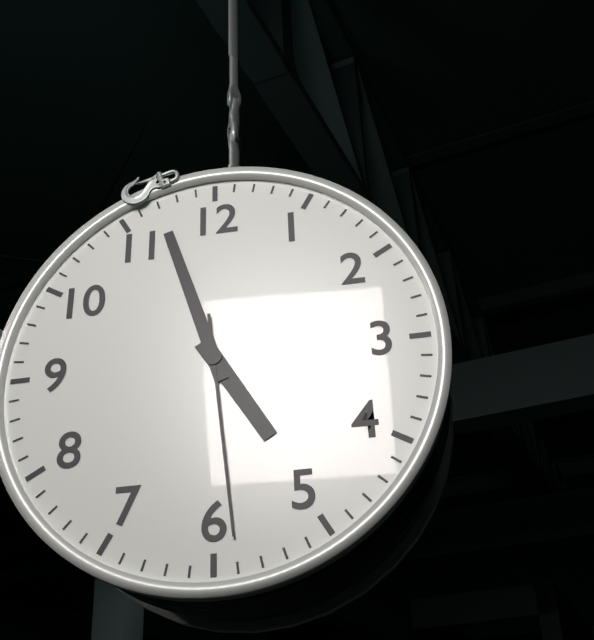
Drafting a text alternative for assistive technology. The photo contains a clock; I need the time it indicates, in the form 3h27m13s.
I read 4h57m29s
